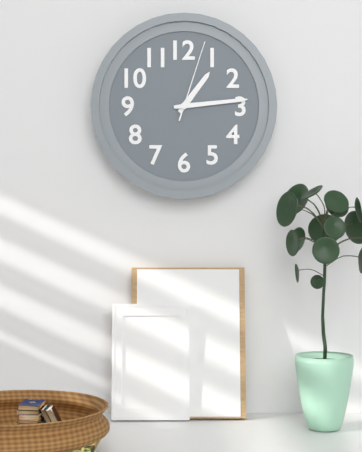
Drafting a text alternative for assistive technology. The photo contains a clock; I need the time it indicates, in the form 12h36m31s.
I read 1h14m03s
